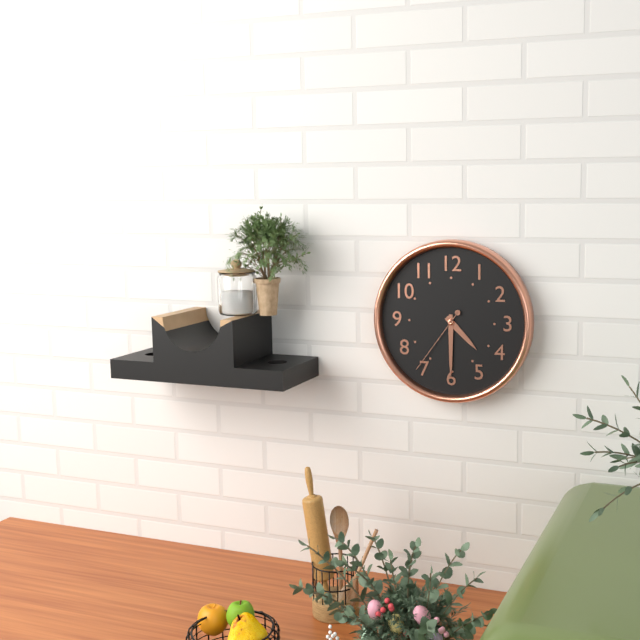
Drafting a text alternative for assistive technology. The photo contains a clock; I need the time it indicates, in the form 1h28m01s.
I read 4h30m36s
